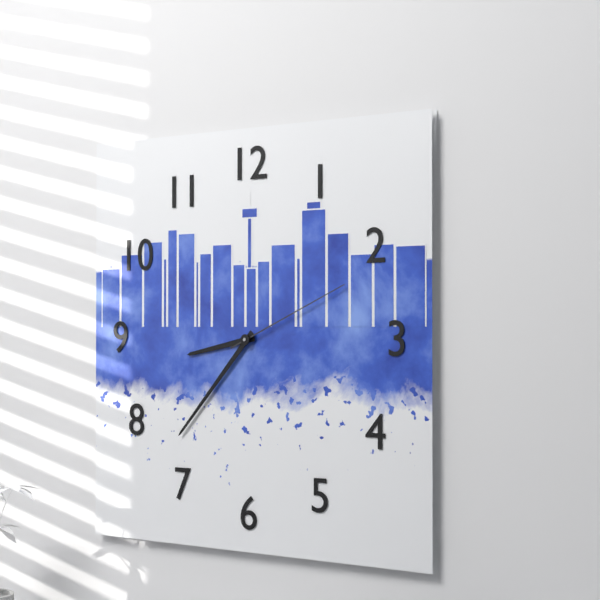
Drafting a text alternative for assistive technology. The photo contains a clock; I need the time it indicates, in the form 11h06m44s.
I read 8h37m11s
